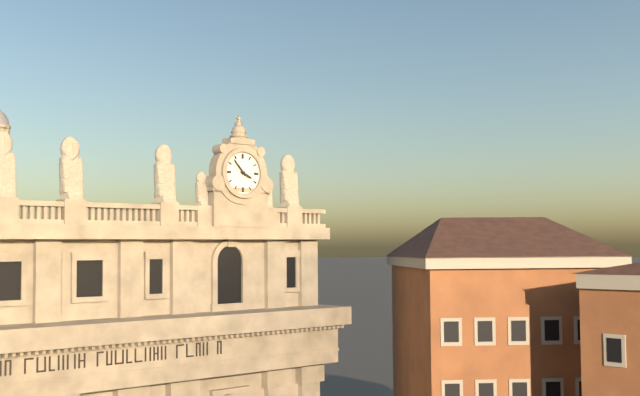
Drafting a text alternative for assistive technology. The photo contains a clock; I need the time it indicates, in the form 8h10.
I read 3h53
